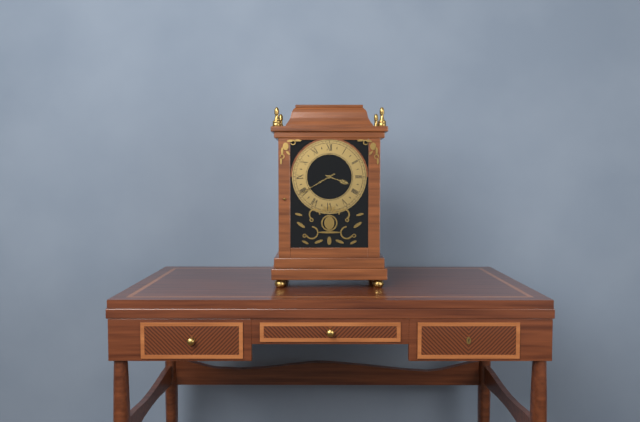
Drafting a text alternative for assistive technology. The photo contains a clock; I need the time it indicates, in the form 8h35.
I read 3h40
